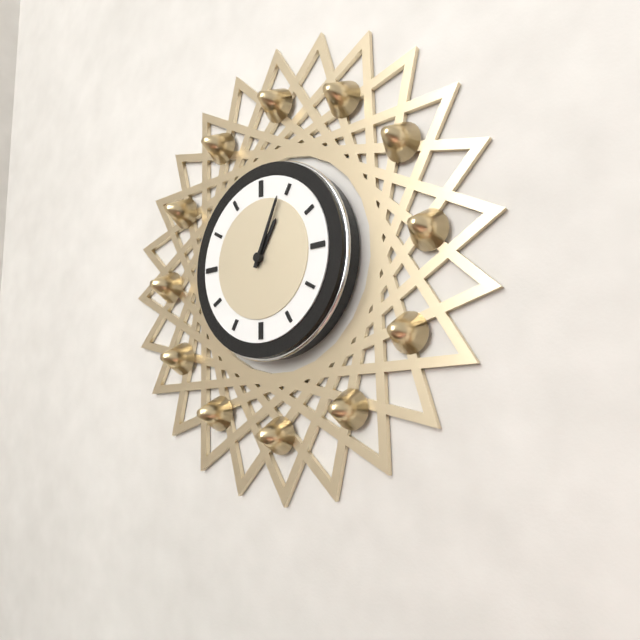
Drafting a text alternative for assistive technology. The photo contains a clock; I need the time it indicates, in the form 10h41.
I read 1h04
